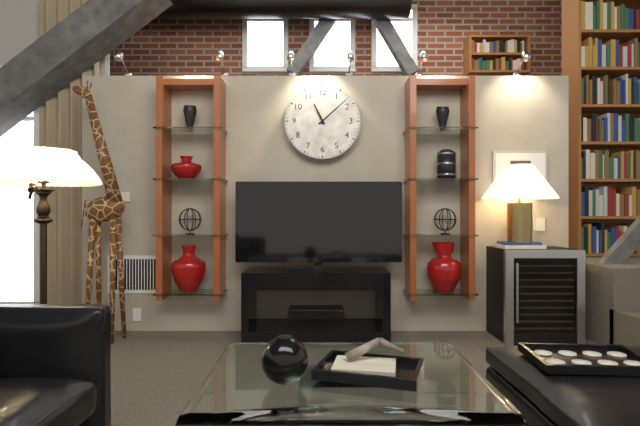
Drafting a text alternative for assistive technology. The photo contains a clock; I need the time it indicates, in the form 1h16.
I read 11h08
